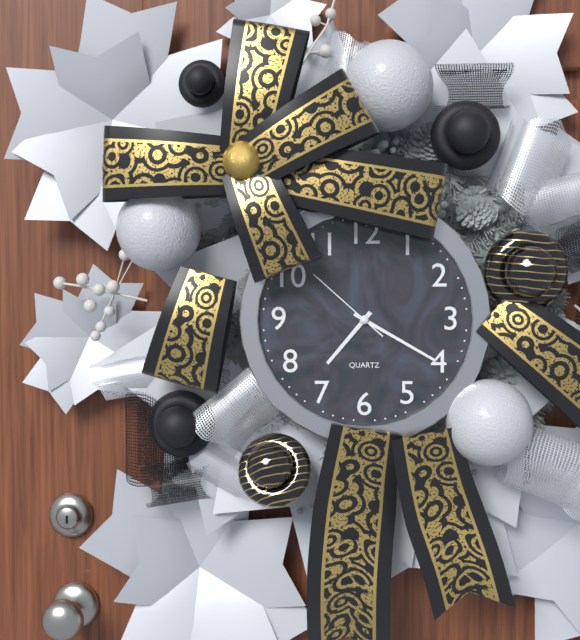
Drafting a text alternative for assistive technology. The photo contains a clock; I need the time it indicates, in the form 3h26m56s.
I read 7h20m52s
